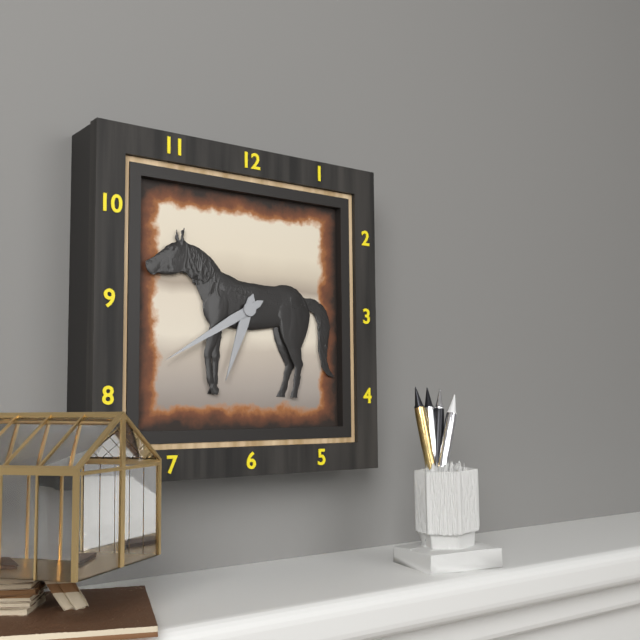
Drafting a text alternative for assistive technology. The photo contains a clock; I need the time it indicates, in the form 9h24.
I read 6h40
